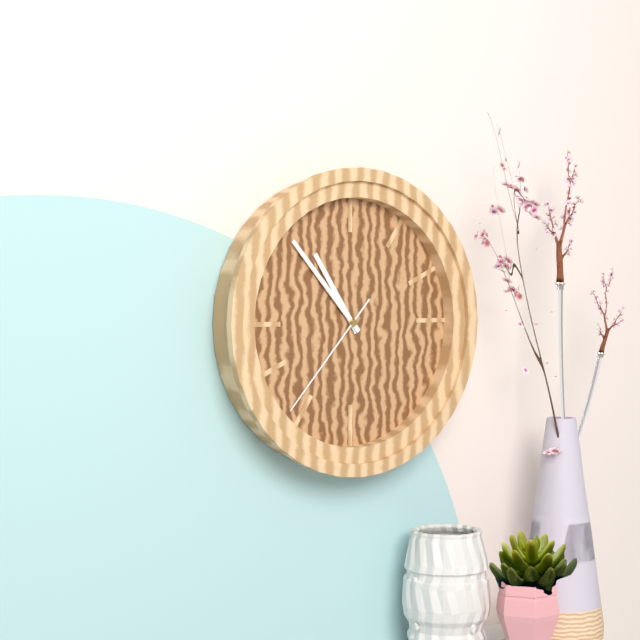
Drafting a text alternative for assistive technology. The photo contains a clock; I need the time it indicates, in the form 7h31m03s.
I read 10h53m37s
